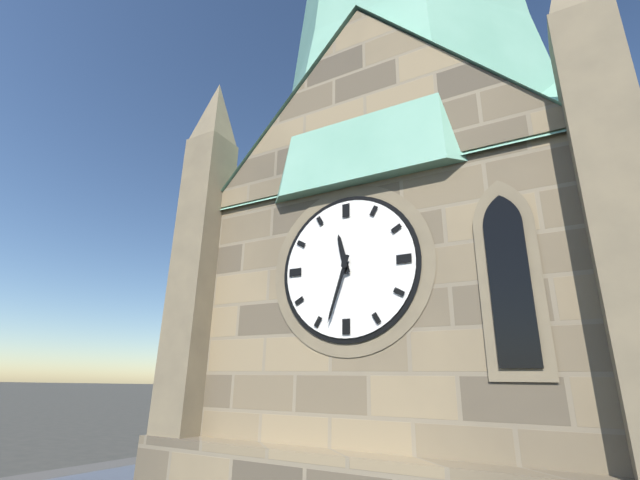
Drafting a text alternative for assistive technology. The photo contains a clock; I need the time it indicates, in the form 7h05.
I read 11h33
